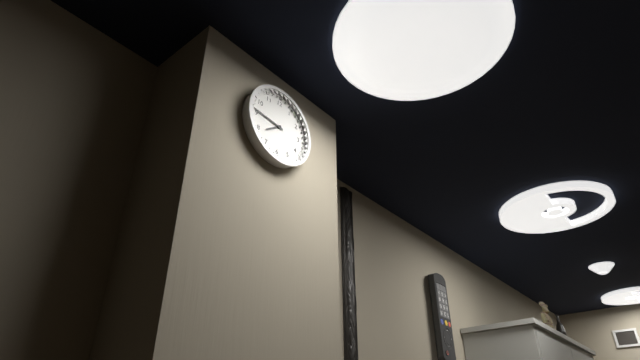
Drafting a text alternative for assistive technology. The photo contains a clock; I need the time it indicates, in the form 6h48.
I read 7h46
